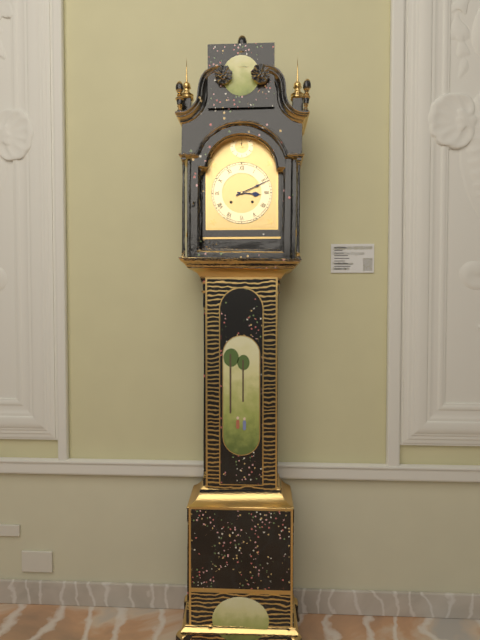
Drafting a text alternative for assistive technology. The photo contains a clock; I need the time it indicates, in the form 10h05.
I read 3h11
